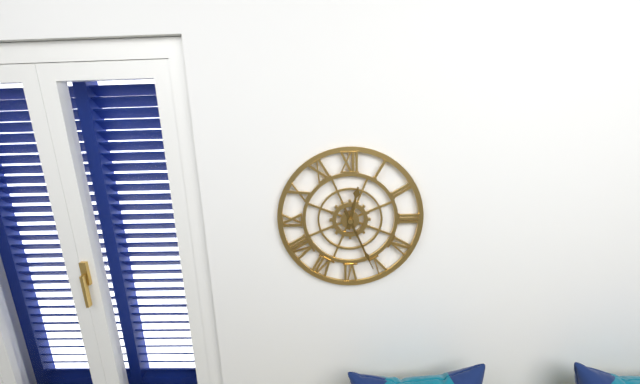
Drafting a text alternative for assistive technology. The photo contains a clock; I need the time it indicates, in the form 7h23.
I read 12h26
